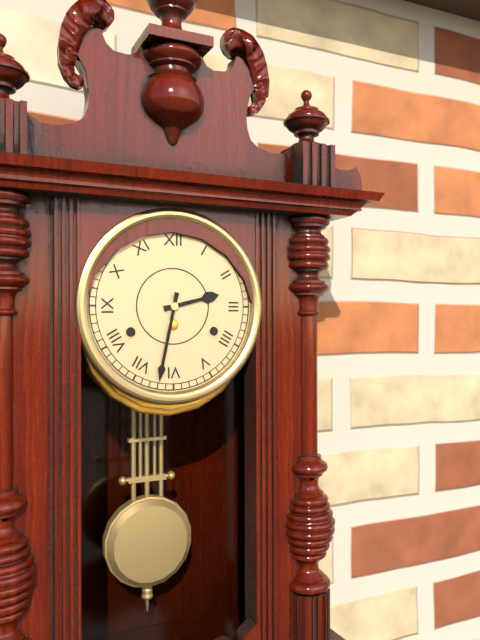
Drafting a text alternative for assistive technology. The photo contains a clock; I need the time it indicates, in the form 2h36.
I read 2h32
